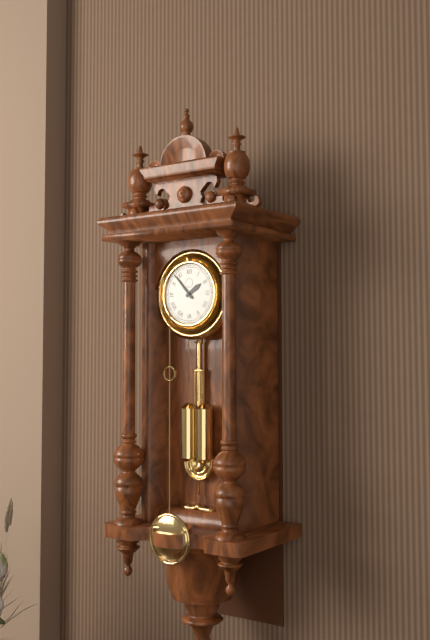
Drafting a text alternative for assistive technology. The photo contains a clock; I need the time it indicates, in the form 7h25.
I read 1h53
